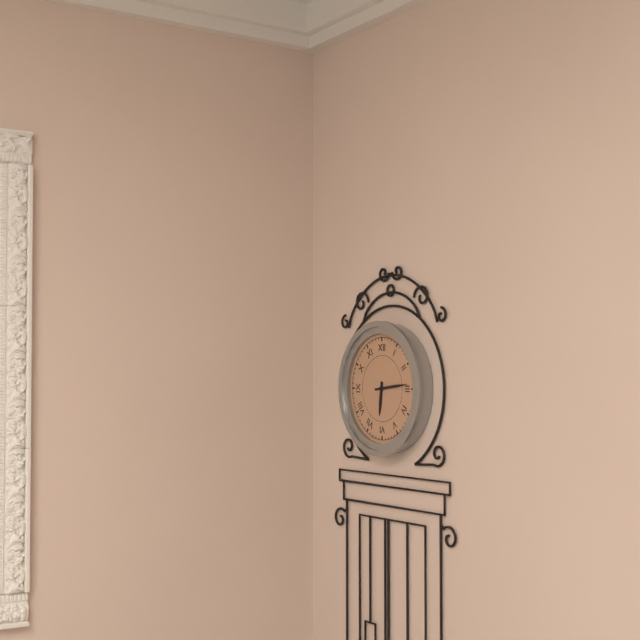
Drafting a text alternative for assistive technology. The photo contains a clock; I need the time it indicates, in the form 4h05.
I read 6h14
